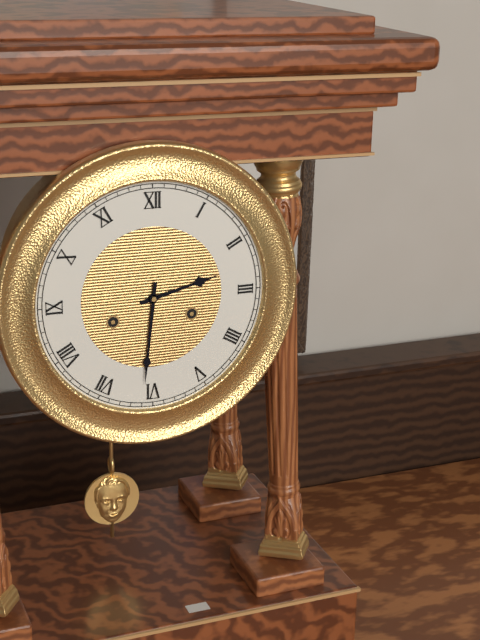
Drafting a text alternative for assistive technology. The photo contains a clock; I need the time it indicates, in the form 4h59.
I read 2h31
